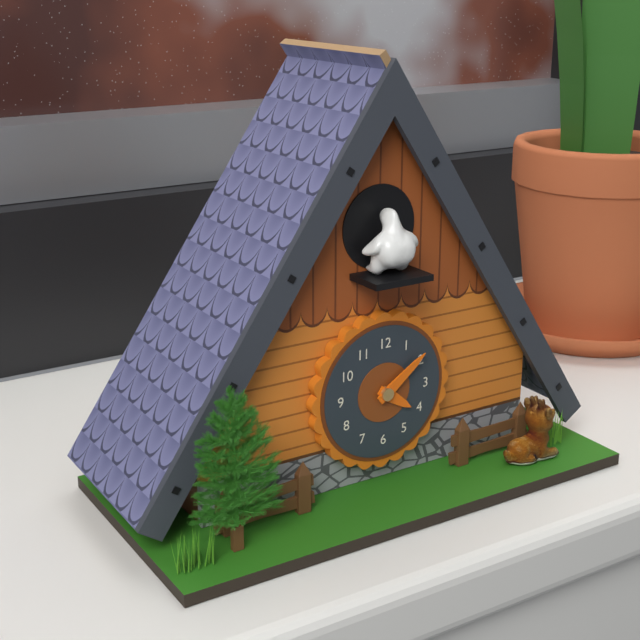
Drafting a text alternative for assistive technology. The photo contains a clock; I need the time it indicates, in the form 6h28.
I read 4h09
